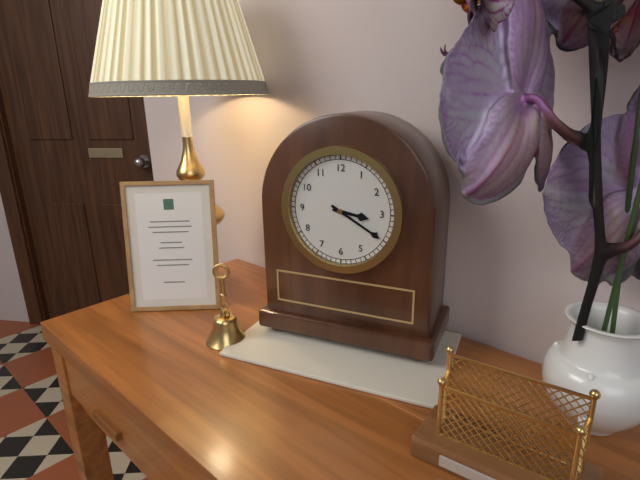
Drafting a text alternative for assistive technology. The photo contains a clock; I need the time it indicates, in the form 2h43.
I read 3h20
